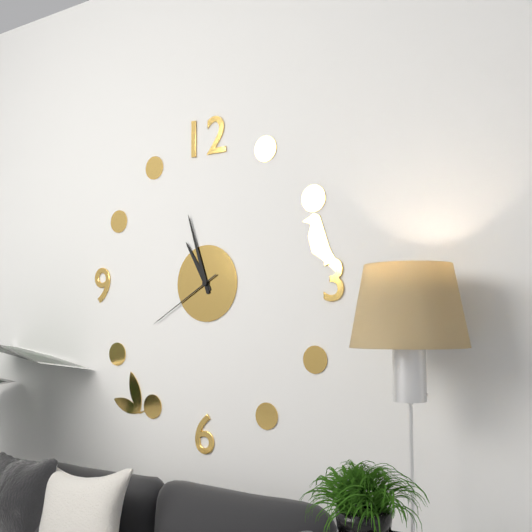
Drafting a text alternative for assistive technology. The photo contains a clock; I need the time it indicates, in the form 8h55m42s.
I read 10h57m40s
